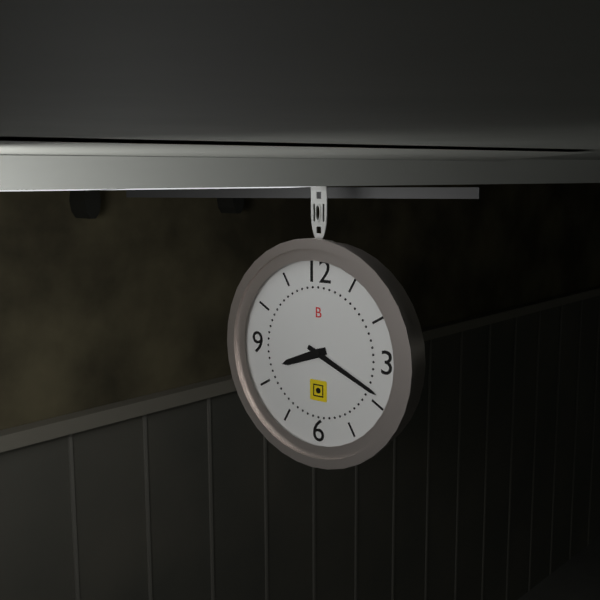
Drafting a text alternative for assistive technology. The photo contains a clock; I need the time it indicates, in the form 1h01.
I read 8h19
